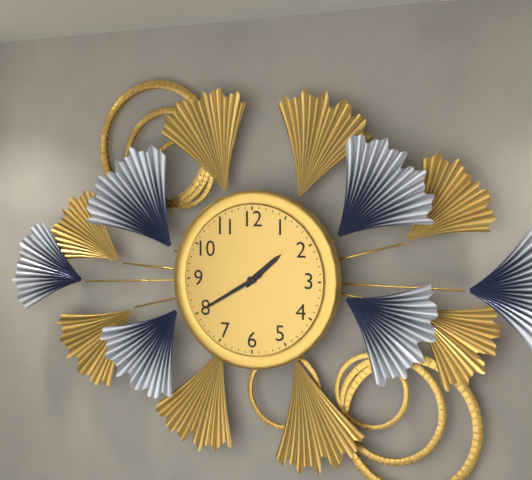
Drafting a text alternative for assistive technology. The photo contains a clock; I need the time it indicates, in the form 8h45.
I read 1h40
